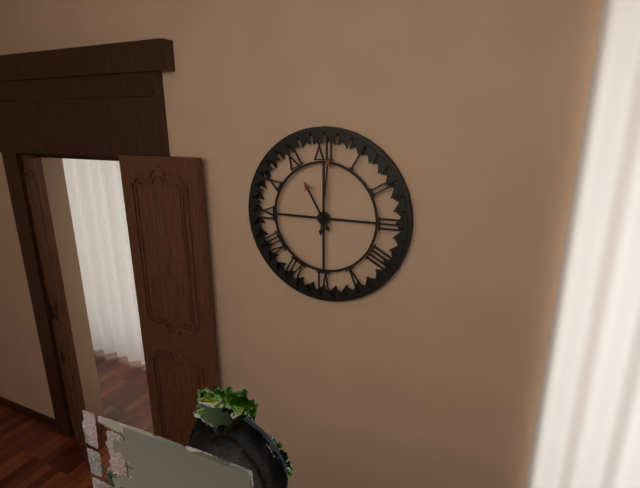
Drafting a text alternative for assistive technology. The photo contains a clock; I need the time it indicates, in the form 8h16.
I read 11h01
